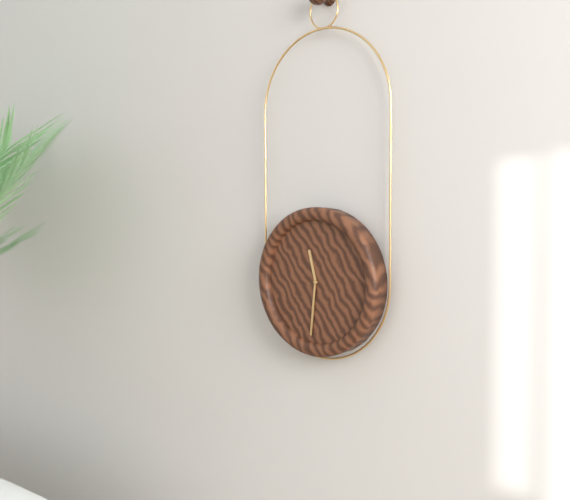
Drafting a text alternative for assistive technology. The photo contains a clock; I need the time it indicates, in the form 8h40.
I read 11h31
